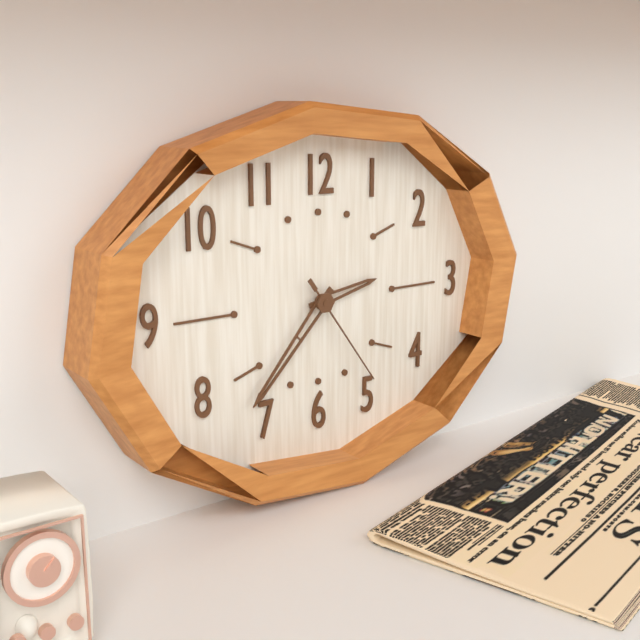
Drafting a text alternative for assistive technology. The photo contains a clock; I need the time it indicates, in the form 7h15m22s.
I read 2h37m24s
